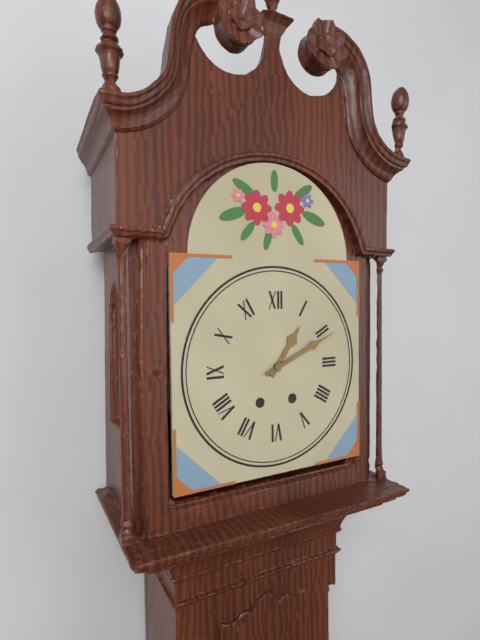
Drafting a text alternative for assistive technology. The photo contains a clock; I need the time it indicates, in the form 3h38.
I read 1h11
